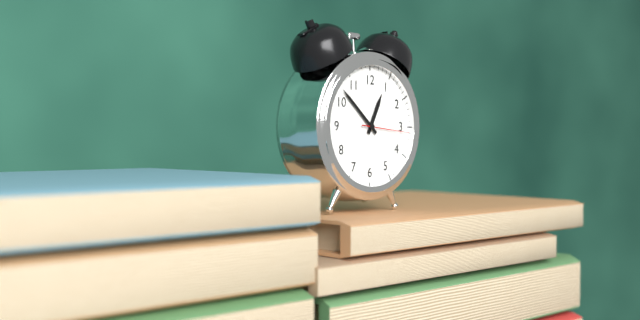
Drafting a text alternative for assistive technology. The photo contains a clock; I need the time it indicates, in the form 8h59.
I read 12h52
